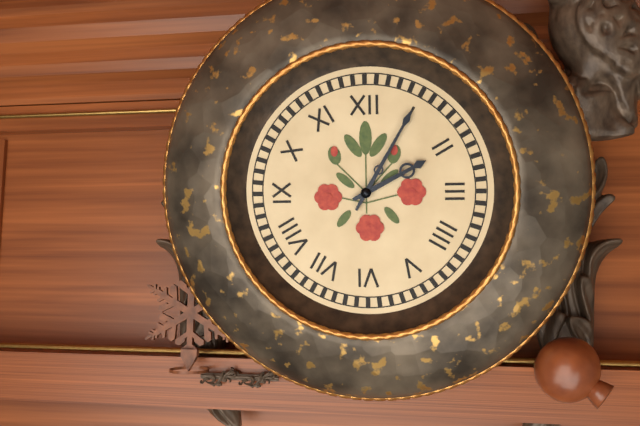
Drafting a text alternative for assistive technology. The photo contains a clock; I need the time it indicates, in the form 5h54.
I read 2h05
